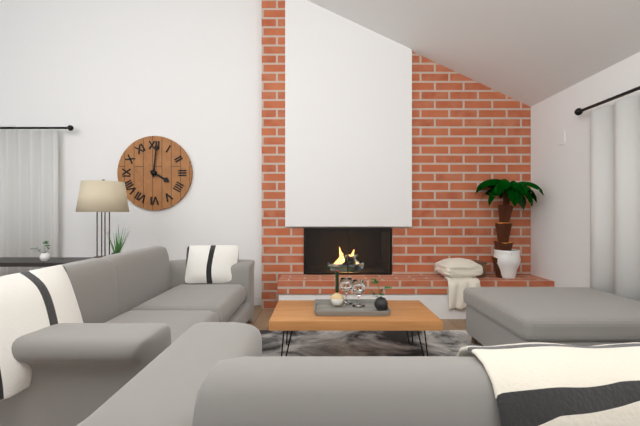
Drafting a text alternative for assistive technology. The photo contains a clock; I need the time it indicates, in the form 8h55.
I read 4h01
